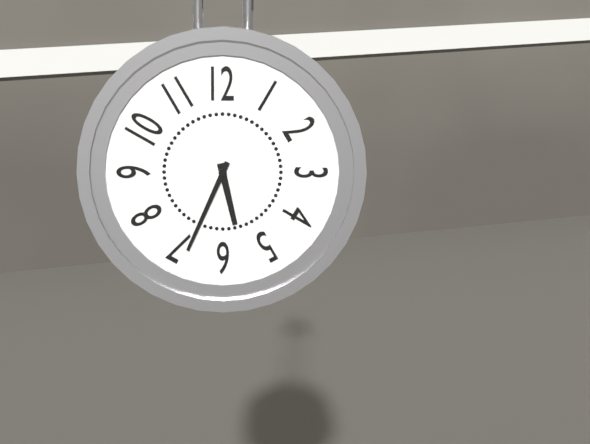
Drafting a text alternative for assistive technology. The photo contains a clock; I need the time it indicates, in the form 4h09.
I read 5h34
